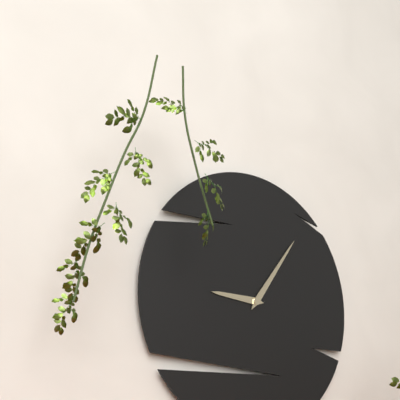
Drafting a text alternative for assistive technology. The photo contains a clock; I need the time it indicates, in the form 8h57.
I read 9h06
